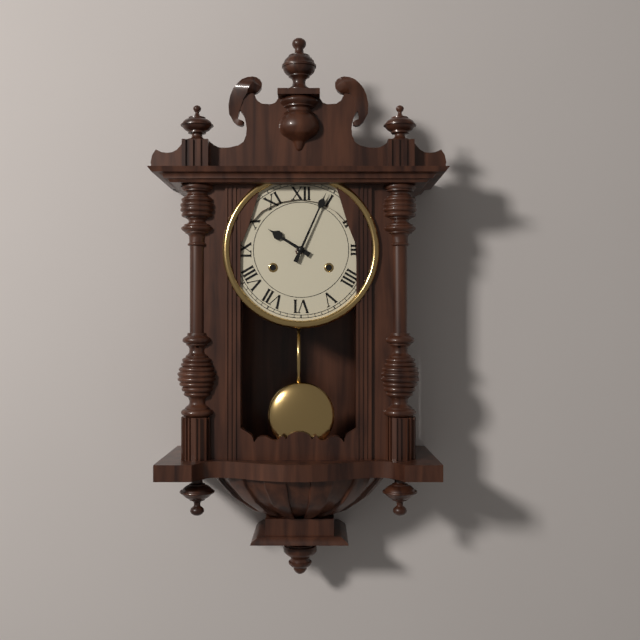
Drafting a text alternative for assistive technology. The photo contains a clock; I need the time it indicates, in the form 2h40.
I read 10h04
